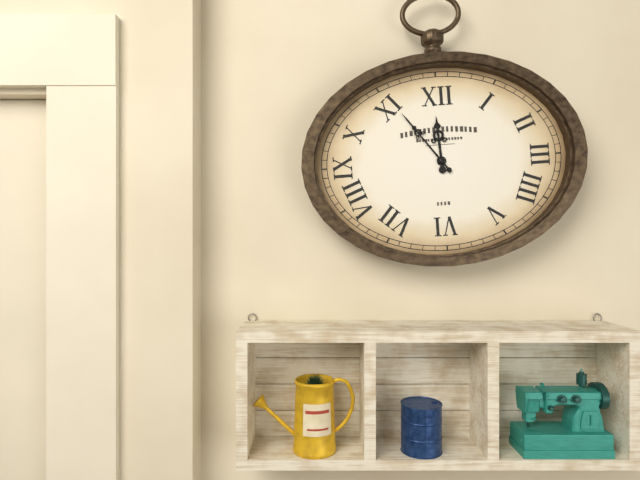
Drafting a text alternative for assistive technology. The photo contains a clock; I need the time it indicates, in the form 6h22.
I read 11h54
